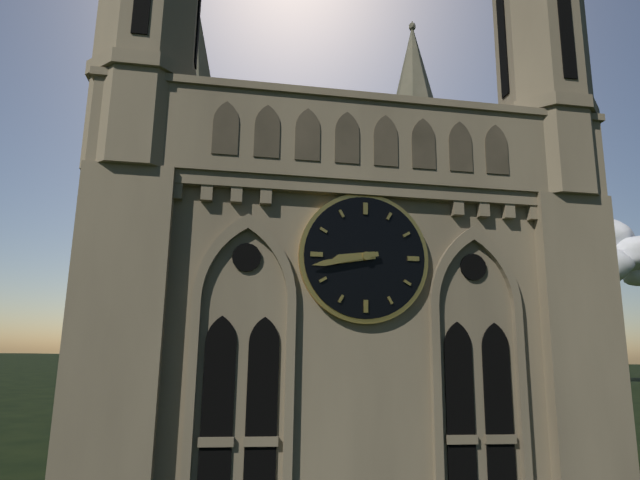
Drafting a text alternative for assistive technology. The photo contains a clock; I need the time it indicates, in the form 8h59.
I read 8h43
